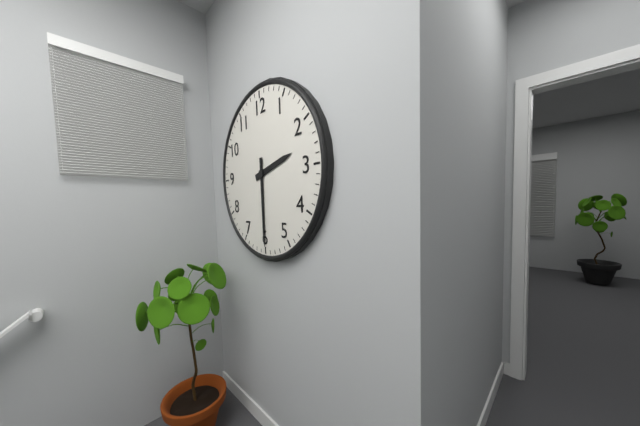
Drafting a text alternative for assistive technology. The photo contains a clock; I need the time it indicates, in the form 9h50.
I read 2h30
